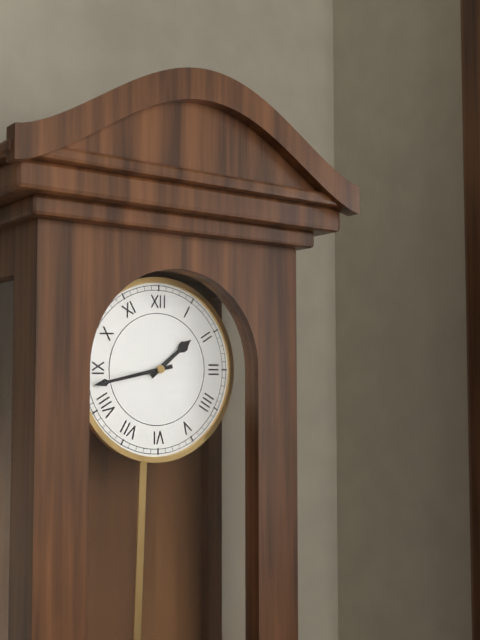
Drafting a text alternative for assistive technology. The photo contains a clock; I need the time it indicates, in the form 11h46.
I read 1h43
